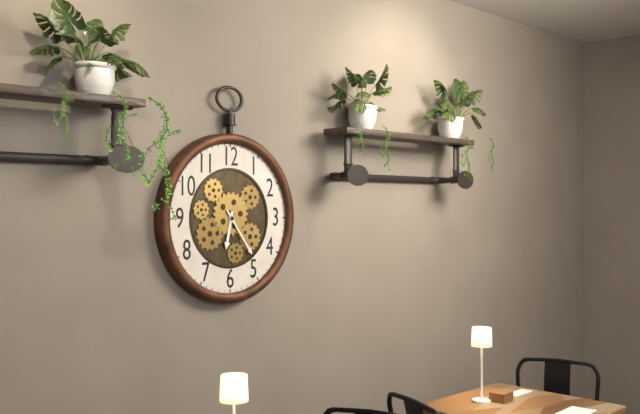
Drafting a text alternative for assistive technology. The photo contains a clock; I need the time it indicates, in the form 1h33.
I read 6h24
